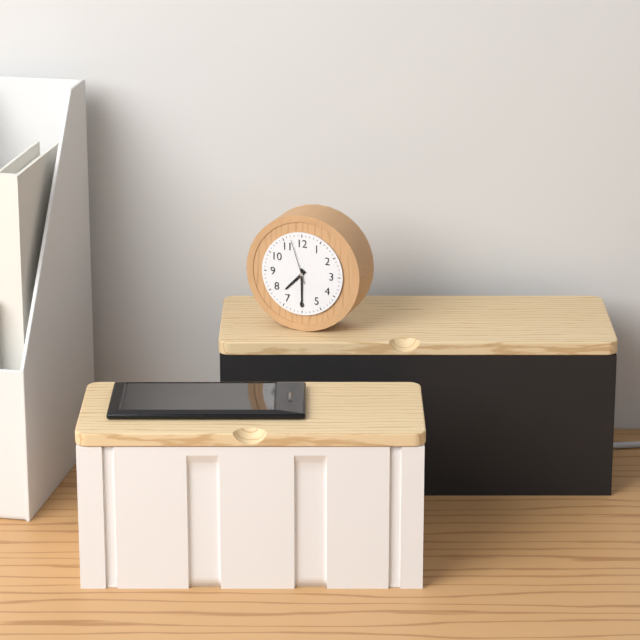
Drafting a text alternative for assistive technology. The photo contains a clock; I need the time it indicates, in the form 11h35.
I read 7h30
